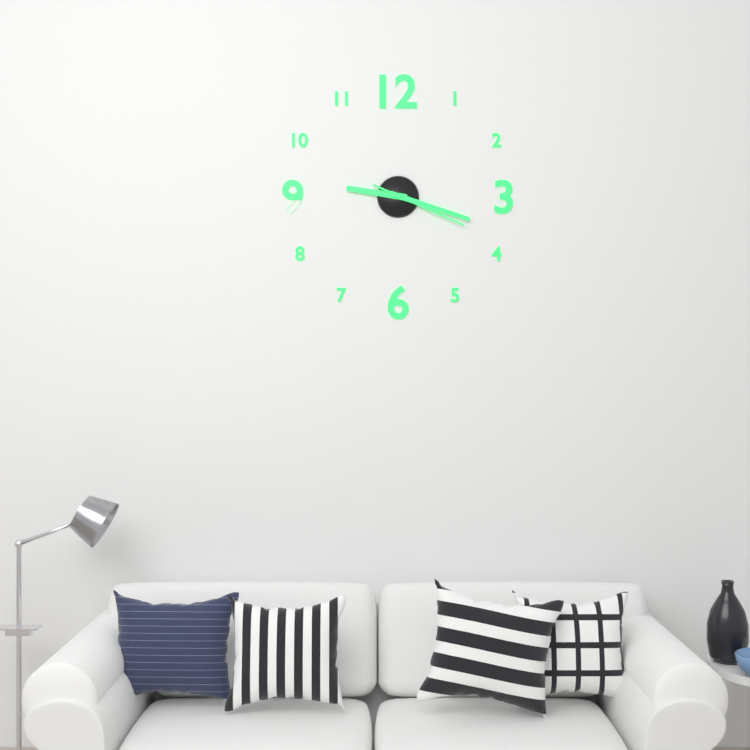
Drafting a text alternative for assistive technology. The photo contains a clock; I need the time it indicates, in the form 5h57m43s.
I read 9h18m19s
